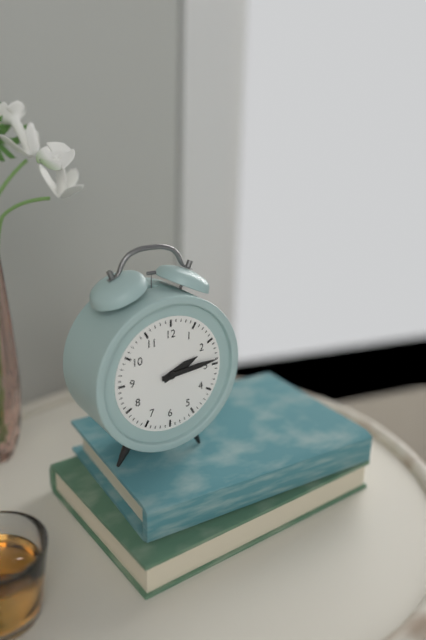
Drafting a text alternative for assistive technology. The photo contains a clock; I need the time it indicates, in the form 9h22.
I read 2h14
